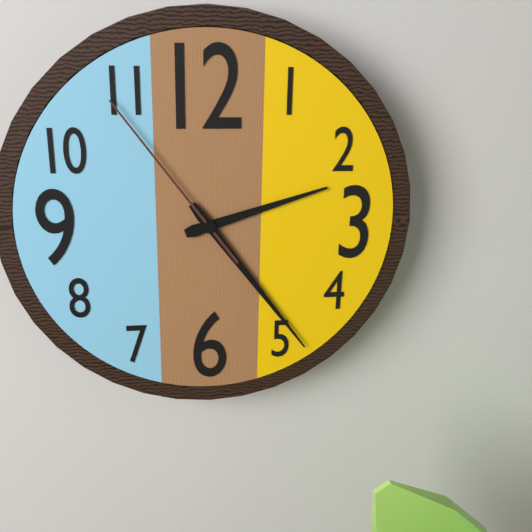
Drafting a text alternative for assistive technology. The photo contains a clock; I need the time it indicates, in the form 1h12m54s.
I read 2h24m54s
